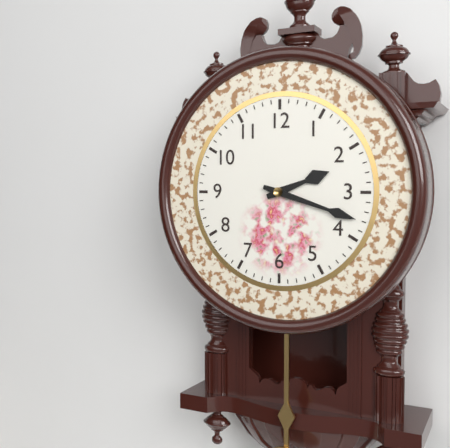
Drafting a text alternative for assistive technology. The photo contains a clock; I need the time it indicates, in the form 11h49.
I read 2h18
